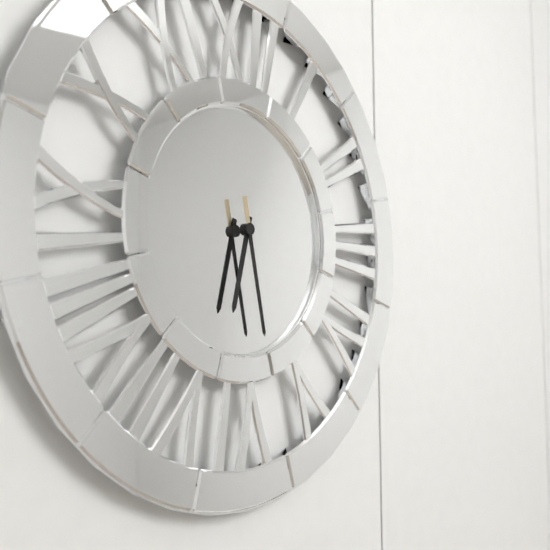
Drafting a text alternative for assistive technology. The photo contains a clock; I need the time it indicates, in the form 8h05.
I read 6h28
